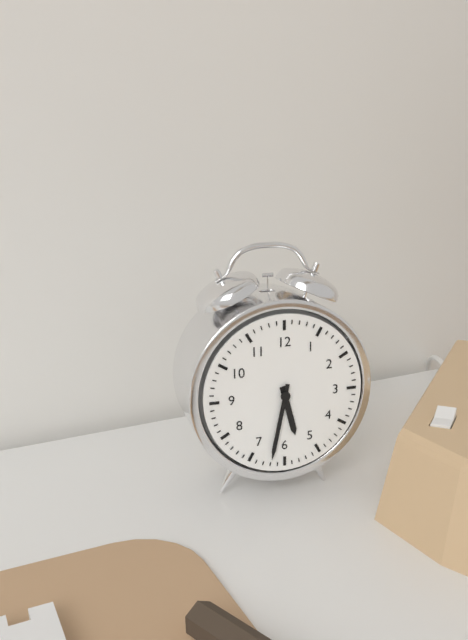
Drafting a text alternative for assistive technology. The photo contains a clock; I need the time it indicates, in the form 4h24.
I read 5h32
